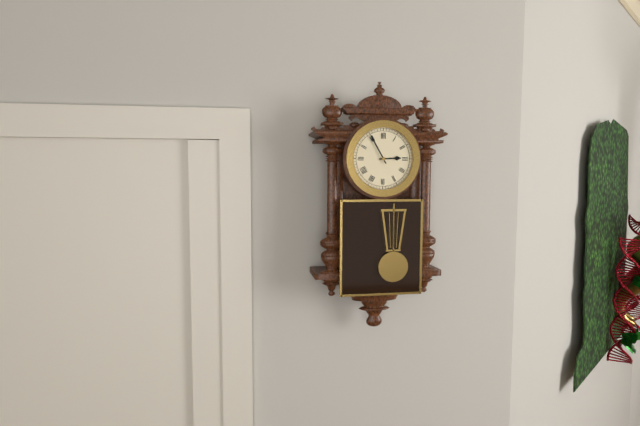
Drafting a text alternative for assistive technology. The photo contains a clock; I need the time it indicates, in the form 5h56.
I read 2h55
